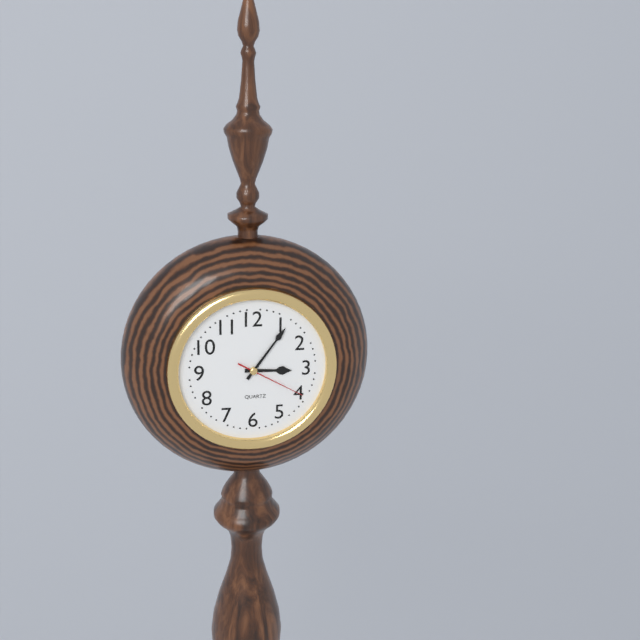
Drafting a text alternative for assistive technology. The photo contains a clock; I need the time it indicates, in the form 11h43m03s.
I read 3h06m20s
